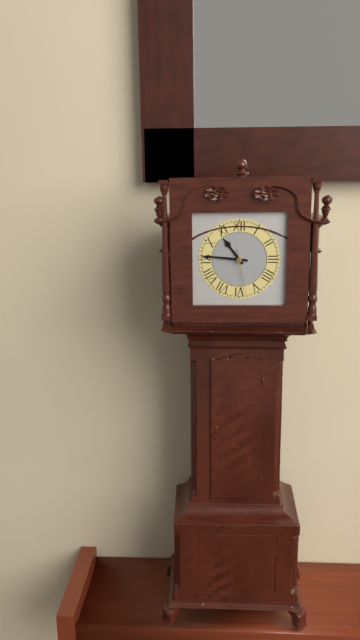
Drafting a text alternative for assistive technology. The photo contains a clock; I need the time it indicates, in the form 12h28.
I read 10h46
